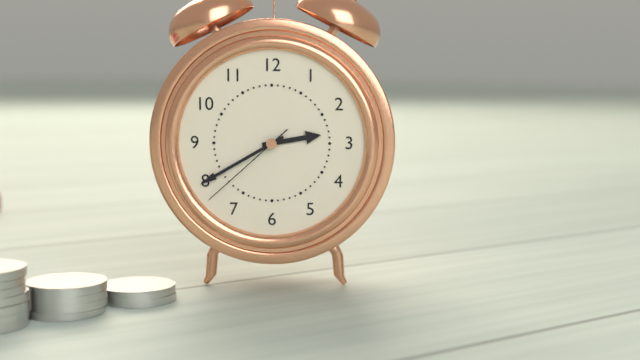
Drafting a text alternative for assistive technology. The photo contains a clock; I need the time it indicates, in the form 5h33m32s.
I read 2h40m38s
